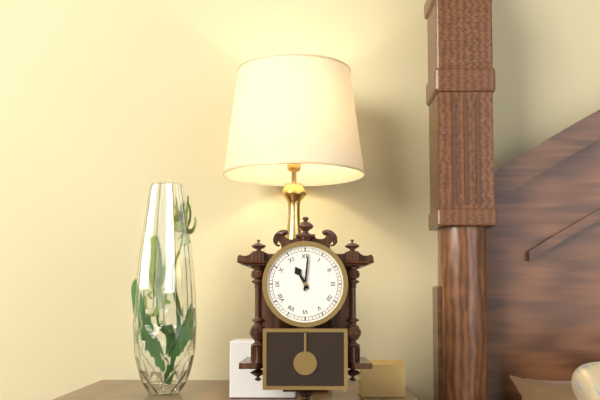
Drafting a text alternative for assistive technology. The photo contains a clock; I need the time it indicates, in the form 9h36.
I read 11h01
